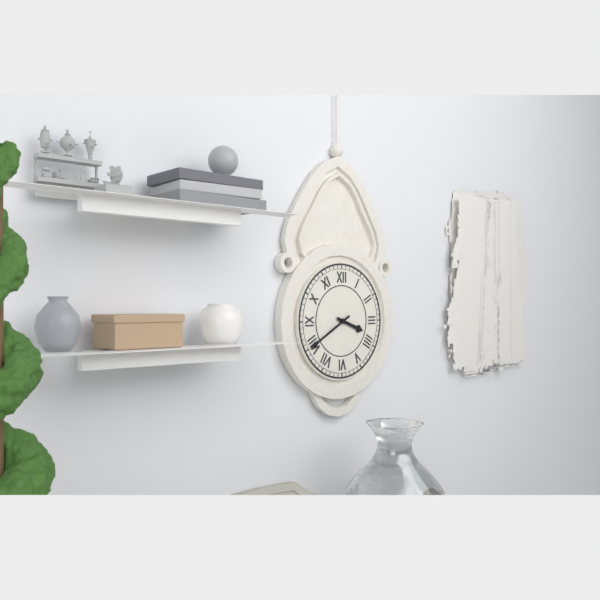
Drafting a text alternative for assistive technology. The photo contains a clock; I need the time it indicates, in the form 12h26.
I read 3h40
